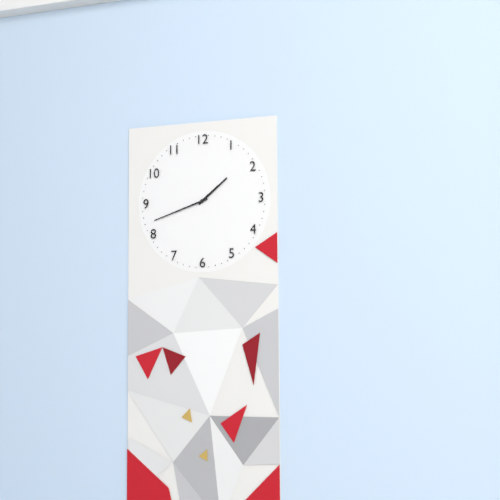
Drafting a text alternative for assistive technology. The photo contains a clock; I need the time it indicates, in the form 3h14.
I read 1h42
